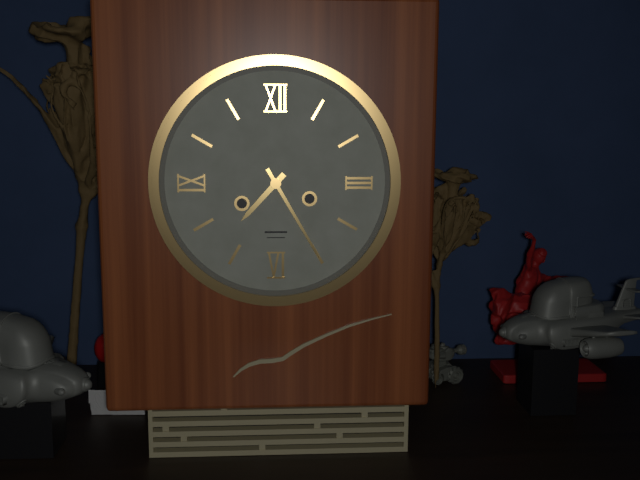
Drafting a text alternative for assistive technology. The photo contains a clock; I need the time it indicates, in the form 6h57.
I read 7h25
